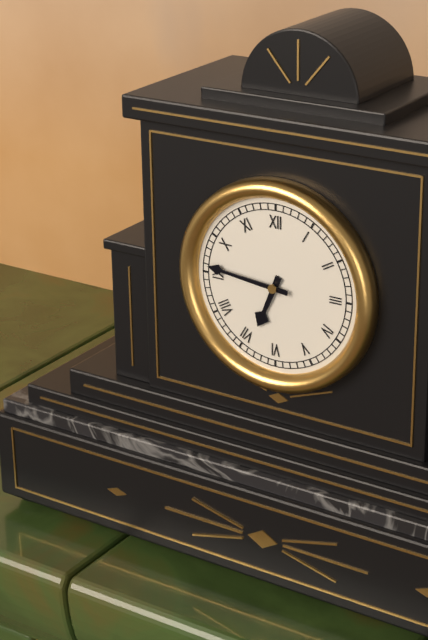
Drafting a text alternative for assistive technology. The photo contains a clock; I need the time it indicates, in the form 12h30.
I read 6h46
